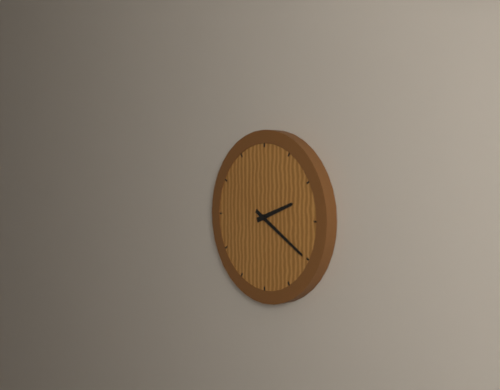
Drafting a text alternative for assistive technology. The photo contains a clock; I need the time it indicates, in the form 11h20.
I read 2h20
